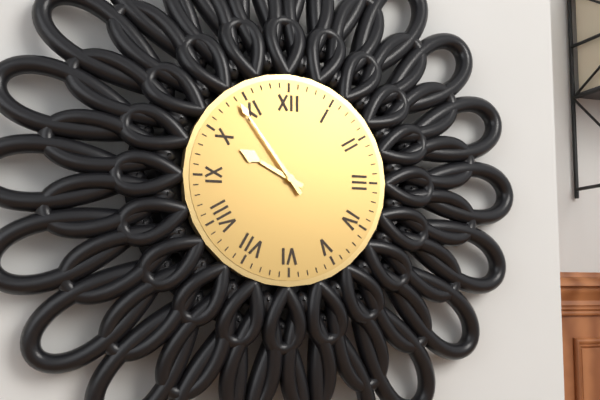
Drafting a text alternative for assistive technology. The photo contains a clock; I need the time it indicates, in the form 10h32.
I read 9h54
